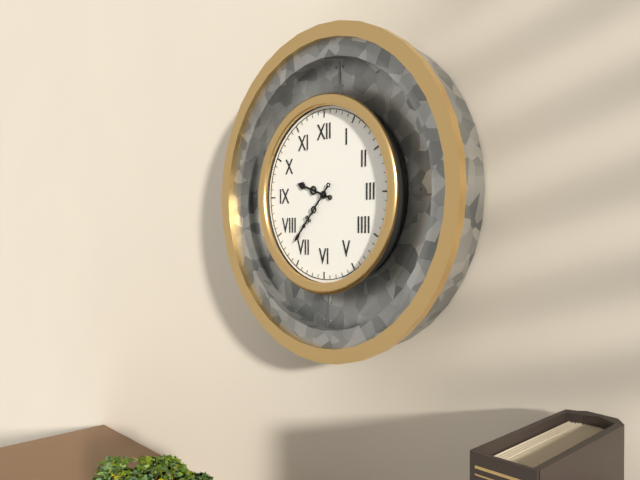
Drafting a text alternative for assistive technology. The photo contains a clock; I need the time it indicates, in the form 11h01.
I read 9h37
